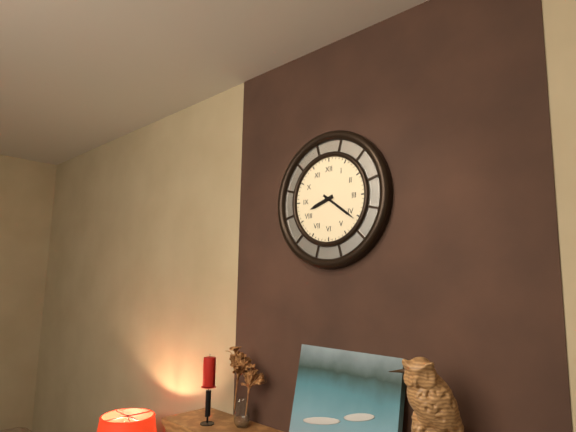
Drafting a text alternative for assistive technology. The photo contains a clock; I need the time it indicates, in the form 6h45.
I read 8h21
